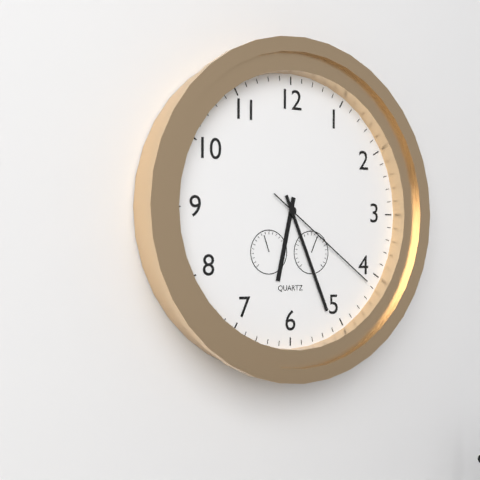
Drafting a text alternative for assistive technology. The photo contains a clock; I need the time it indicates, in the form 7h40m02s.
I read 6h26m21s
